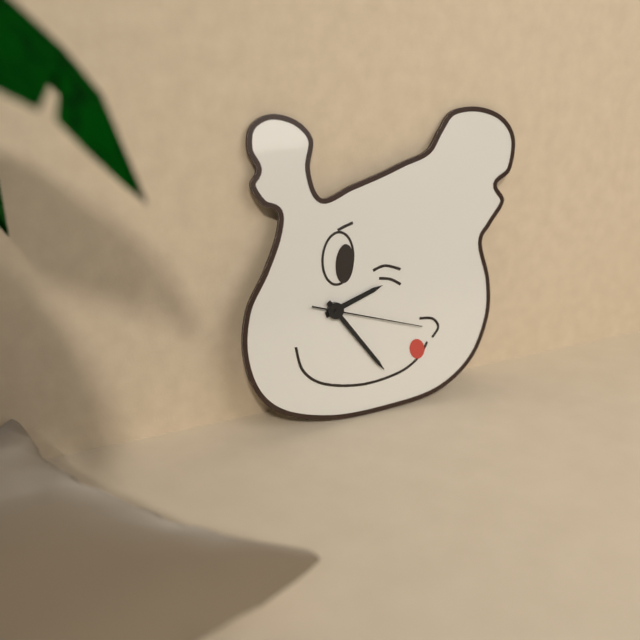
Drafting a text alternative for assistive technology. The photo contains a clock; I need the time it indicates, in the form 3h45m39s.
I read 2h24m18s
